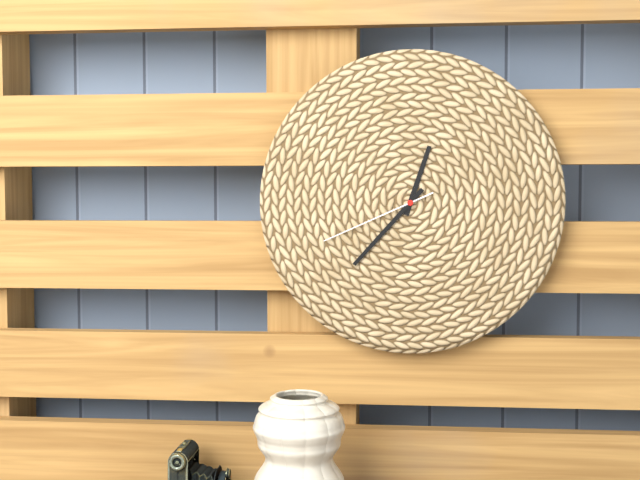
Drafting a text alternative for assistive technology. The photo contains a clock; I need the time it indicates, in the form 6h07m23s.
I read 12h37m41s
